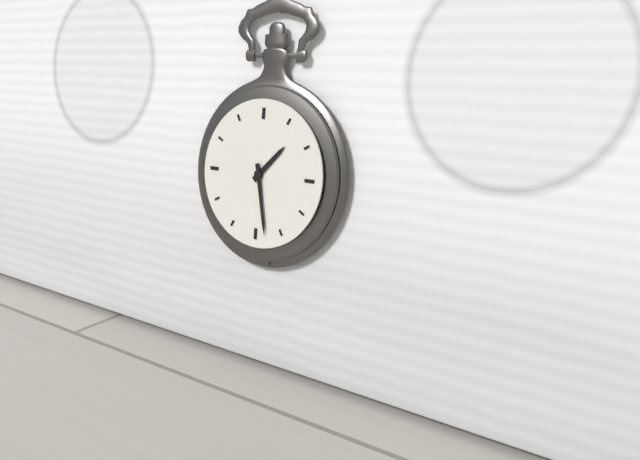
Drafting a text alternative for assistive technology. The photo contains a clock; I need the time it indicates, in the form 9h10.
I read 1h28
